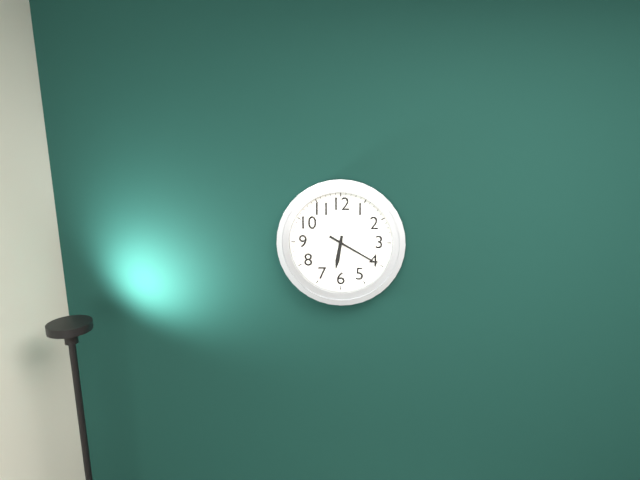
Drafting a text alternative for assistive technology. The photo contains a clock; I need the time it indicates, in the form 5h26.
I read 6h20
